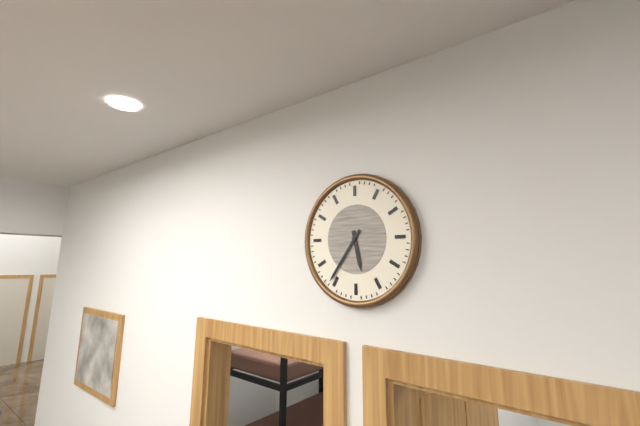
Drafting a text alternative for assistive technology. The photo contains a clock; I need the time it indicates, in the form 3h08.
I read 5h36
